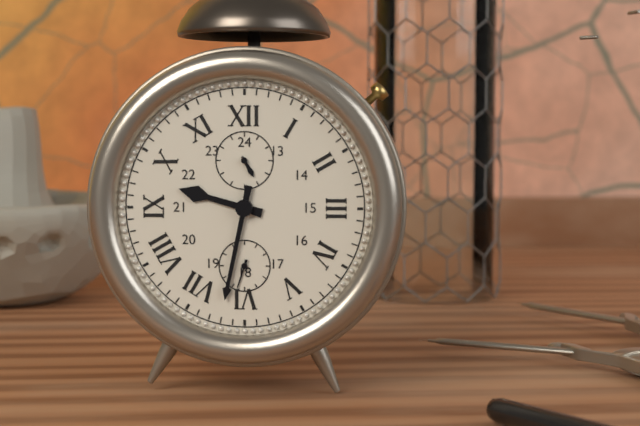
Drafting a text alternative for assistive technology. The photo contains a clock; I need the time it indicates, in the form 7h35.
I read 9h32
